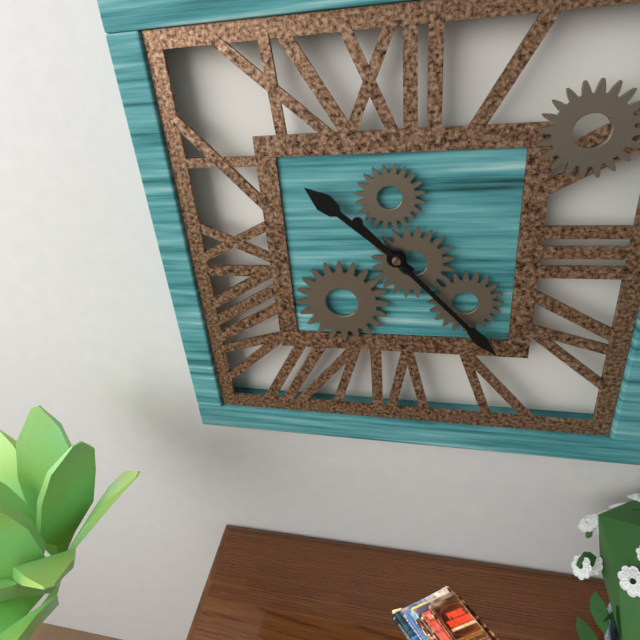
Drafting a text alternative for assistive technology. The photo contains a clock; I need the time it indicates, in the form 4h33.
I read 10h23
